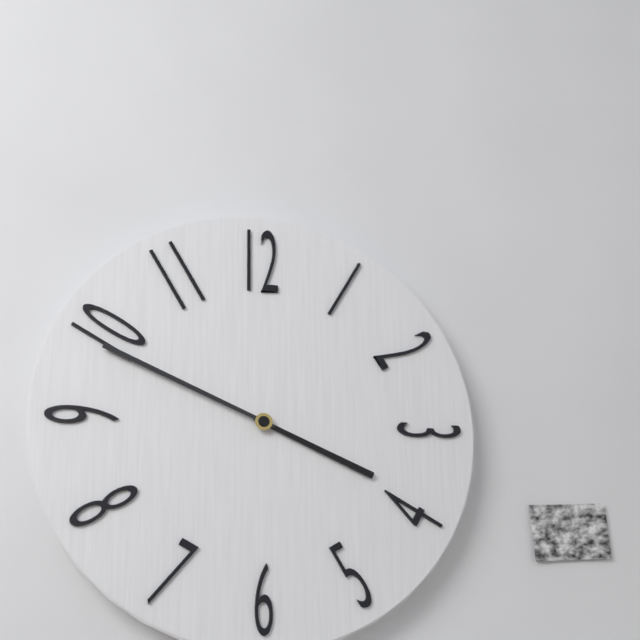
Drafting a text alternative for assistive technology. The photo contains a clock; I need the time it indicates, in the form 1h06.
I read 3h49
